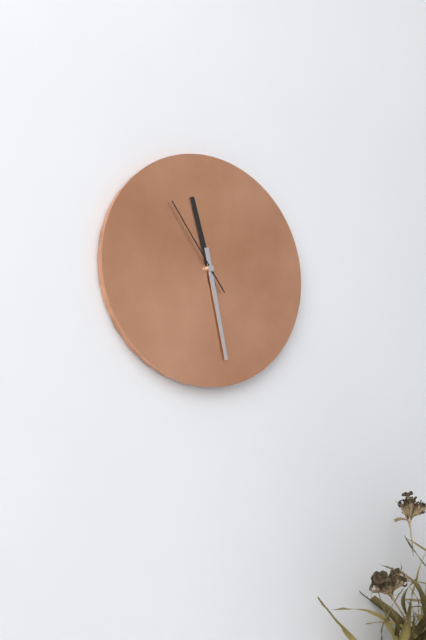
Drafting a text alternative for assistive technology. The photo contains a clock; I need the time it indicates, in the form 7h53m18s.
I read 11h28m54s
